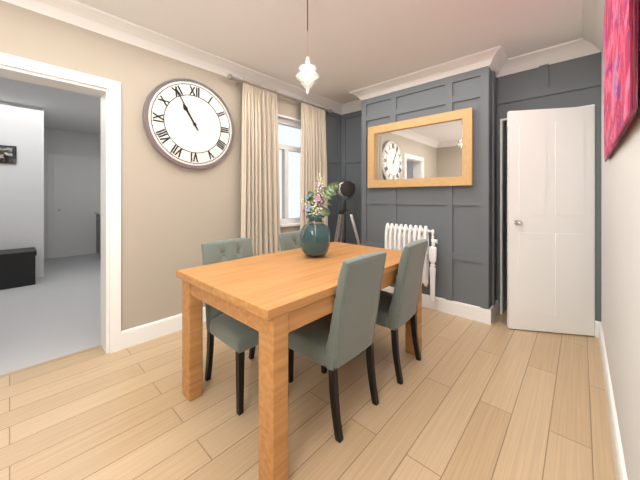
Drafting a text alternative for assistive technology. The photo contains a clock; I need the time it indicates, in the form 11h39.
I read 10h55
